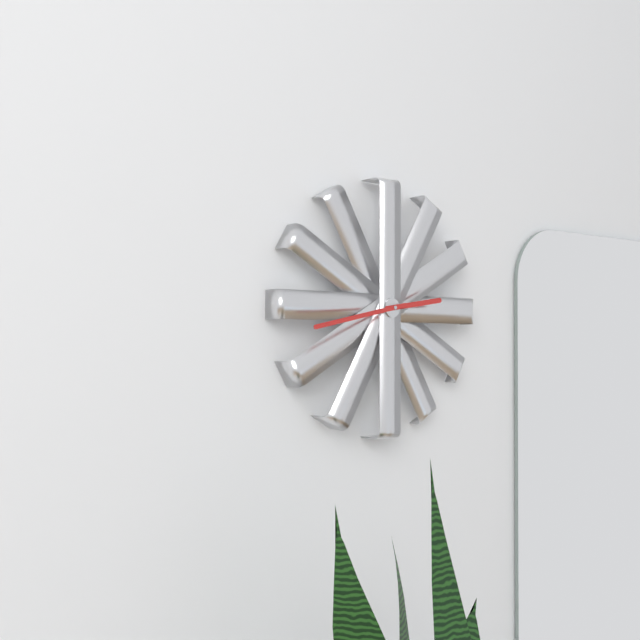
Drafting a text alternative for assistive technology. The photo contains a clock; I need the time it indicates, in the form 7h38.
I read 2h43
